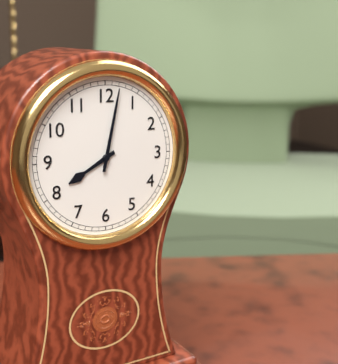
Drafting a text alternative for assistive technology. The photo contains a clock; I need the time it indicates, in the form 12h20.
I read 8h02
